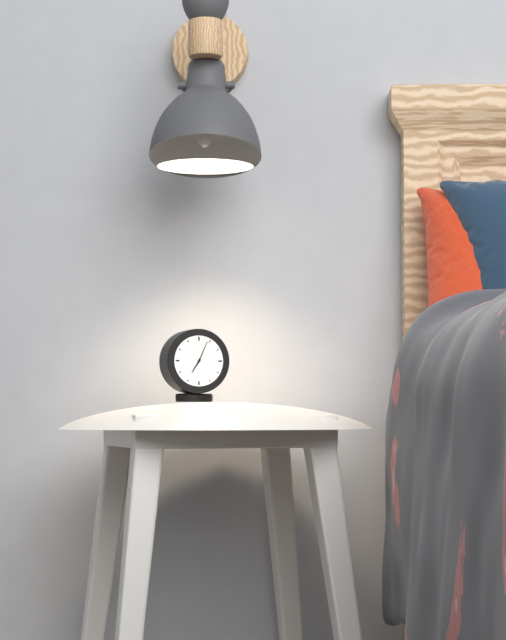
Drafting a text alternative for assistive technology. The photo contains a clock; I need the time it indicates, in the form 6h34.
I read 7h04
